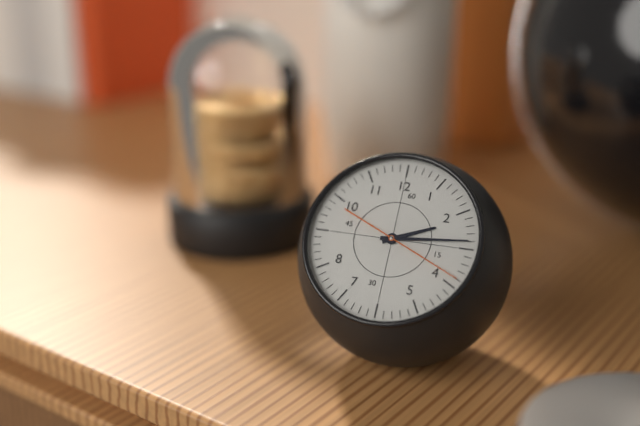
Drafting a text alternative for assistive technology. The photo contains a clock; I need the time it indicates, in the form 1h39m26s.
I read 2h14m19s
